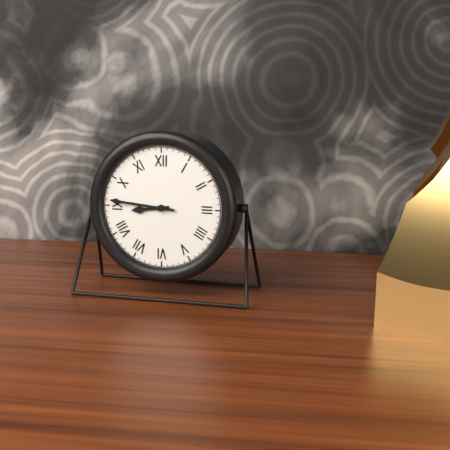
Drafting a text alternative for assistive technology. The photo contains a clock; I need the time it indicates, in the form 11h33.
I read 8h46
